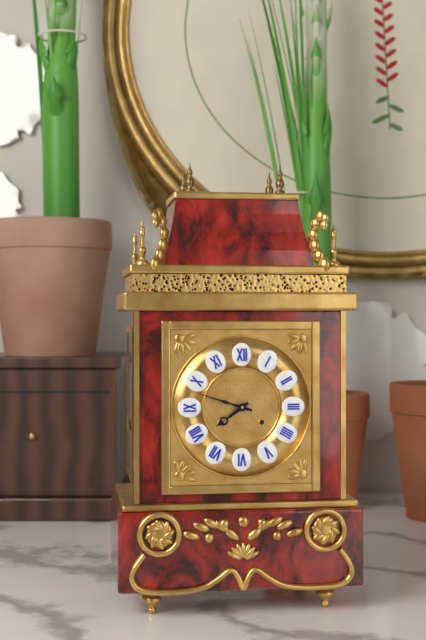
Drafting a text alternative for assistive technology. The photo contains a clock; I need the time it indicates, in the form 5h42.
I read 7h48
